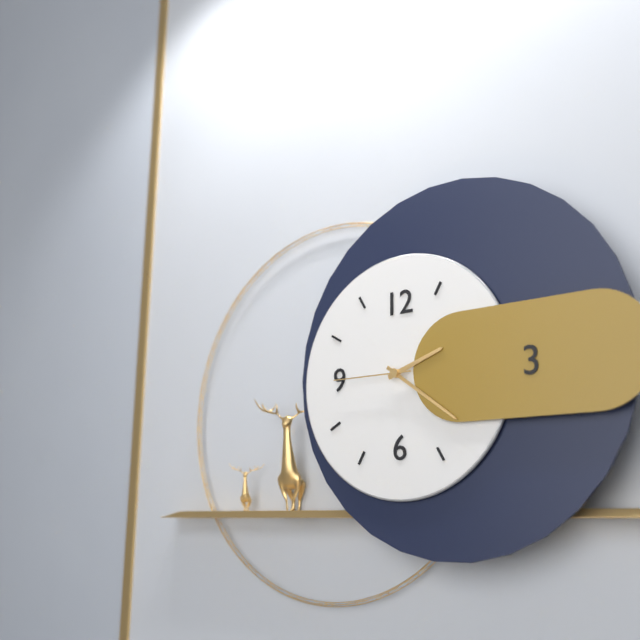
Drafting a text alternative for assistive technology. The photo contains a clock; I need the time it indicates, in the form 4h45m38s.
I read 2h21m45s
